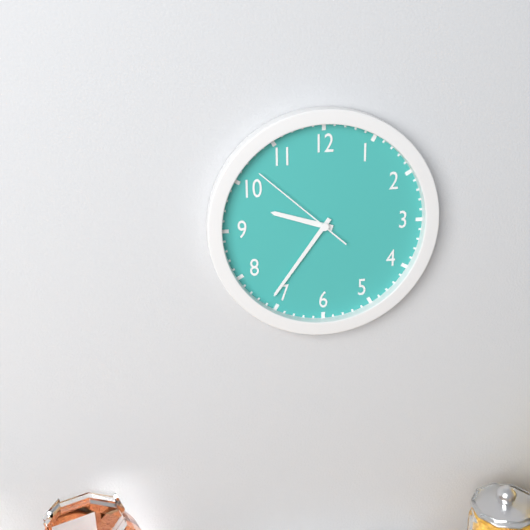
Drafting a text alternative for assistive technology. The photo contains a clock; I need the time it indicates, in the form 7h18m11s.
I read 9h36m52s
